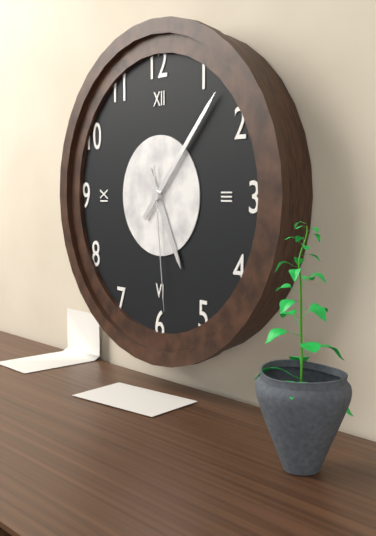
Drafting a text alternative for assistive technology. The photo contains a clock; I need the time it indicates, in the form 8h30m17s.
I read 5h07m29s
